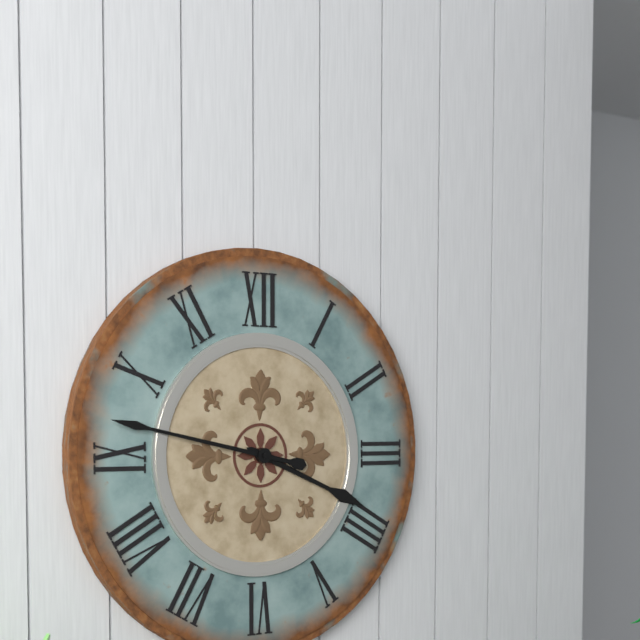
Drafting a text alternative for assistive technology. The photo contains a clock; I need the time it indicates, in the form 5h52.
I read 3h47
